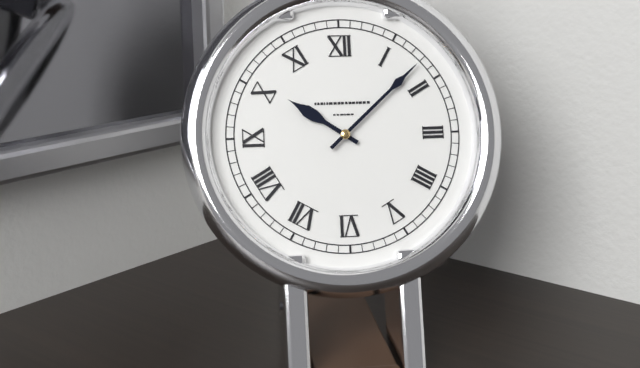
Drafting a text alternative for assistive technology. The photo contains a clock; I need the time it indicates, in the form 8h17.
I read 10h08
